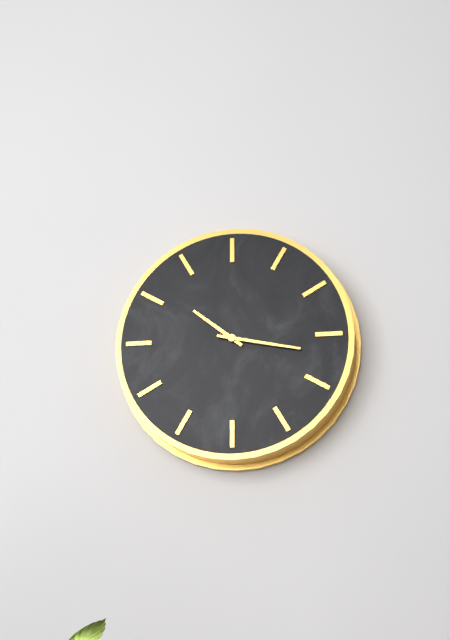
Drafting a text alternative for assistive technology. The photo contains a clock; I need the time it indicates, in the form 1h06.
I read 10h17
